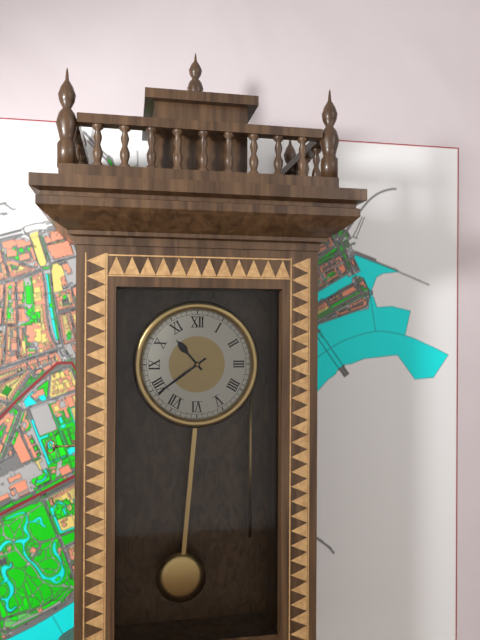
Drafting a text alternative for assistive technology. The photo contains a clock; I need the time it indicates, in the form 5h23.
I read 10h39
